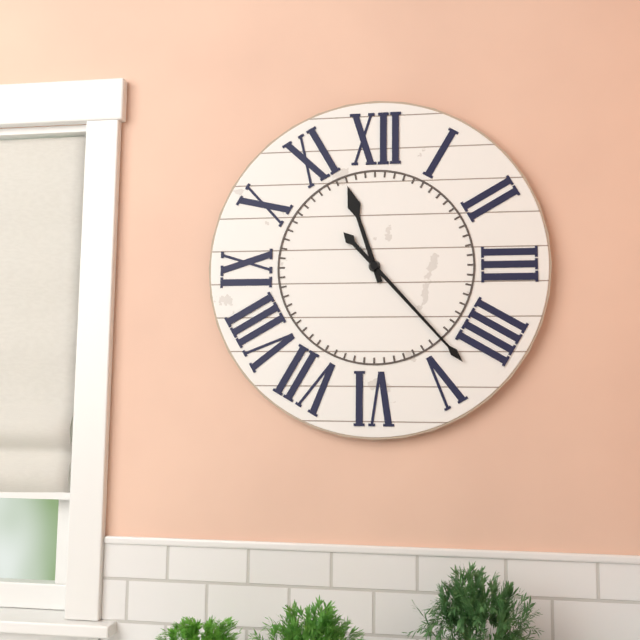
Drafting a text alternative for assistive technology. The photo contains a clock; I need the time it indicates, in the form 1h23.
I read 11h23
